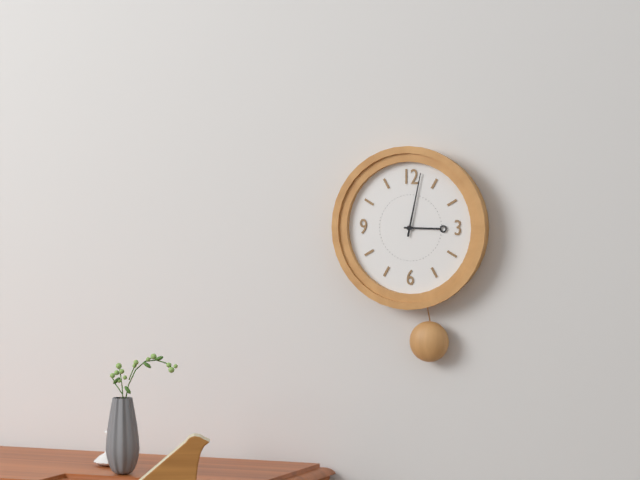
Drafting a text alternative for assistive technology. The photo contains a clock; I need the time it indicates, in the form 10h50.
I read 3h02
